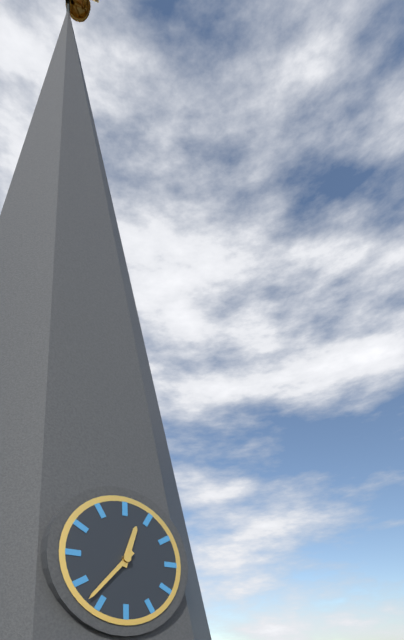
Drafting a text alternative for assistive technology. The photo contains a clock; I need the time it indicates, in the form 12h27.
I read 12h37
